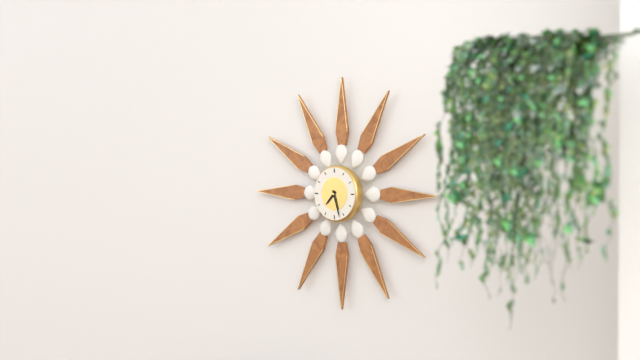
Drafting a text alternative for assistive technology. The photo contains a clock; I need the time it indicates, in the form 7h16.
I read 7h27
